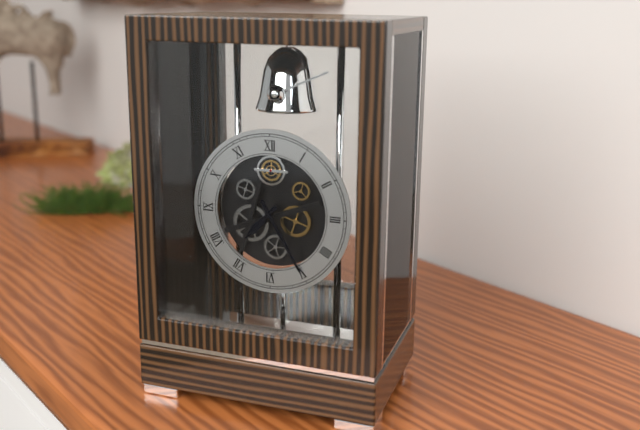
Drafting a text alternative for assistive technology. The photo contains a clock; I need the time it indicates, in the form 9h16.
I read 7h25
